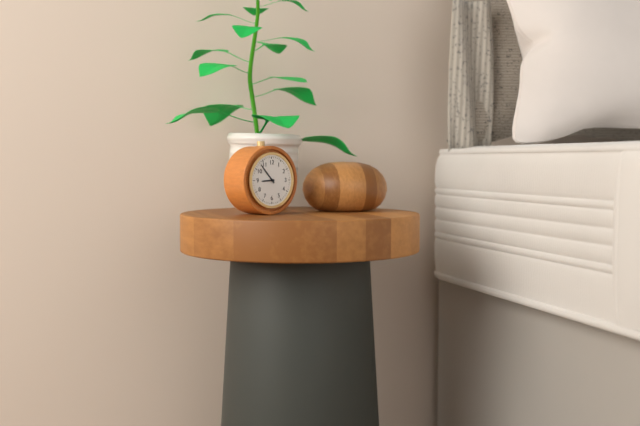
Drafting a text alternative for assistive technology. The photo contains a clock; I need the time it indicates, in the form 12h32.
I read 8h53
